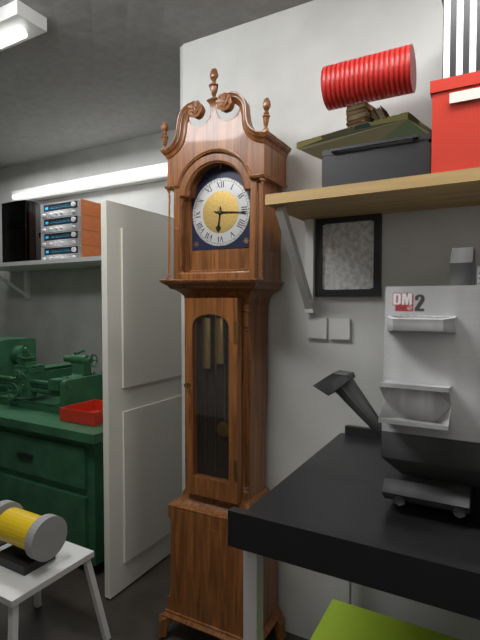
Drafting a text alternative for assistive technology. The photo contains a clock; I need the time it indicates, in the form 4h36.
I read 6h16
